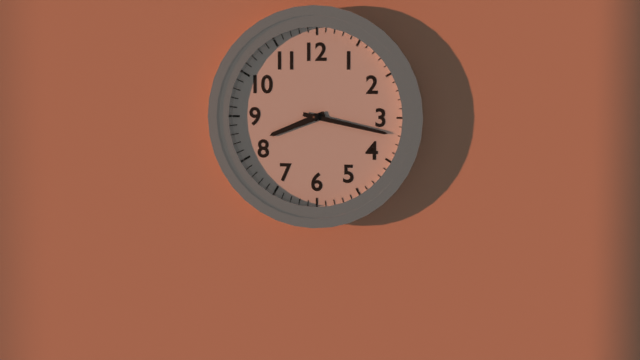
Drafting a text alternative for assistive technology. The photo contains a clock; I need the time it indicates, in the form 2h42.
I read 8h17
